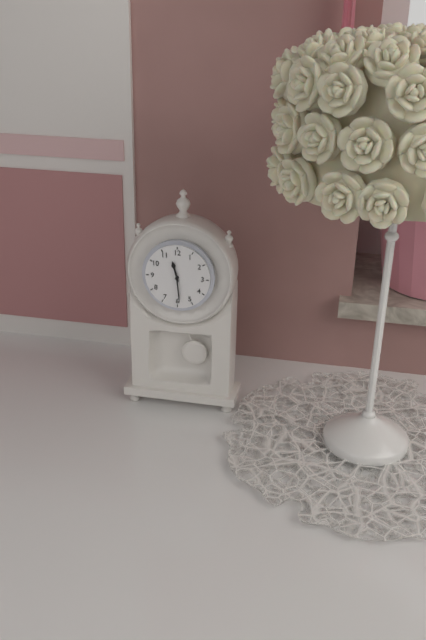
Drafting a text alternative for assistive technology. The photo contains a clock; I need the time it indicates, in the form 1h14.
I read 11h29
